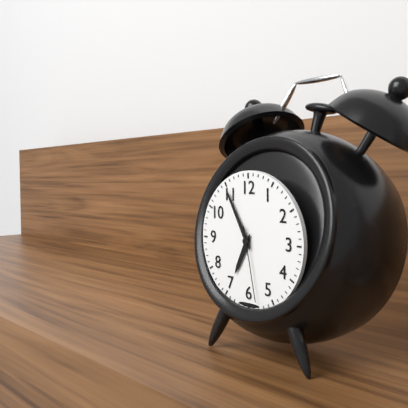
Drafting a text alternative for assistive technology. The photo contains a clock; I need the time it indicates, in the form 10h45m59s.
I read 6h55m28s
